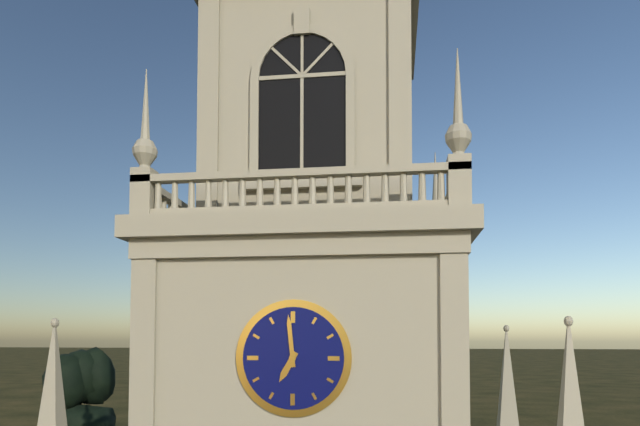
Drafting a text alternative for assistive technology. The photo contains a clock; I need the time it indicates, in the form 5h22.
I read 6h59
